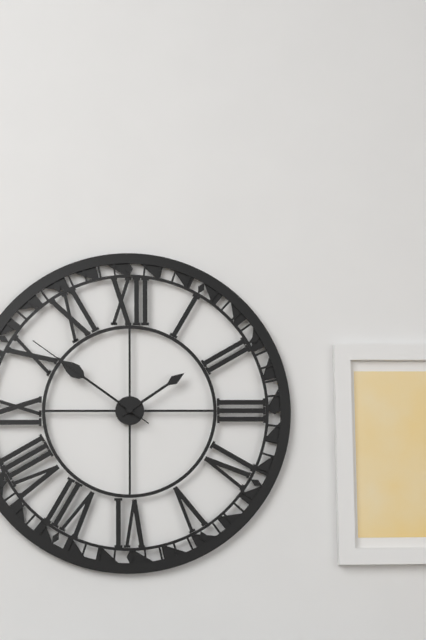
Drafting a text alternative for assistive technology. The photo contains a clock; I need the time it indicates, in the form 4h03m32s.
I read 1h51m51s
